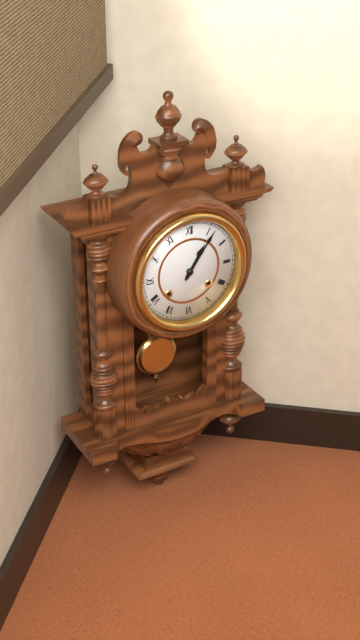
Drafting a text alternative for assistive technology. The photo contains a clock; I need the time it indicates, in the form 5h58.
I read 1h06
